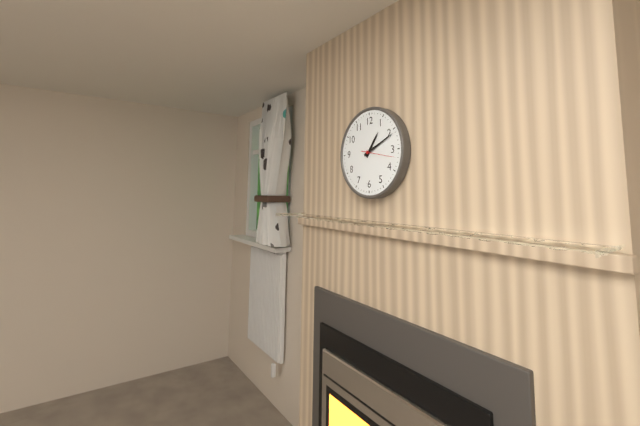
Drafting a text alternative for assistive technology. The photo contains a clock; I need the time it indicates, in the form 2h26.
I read 1h11
